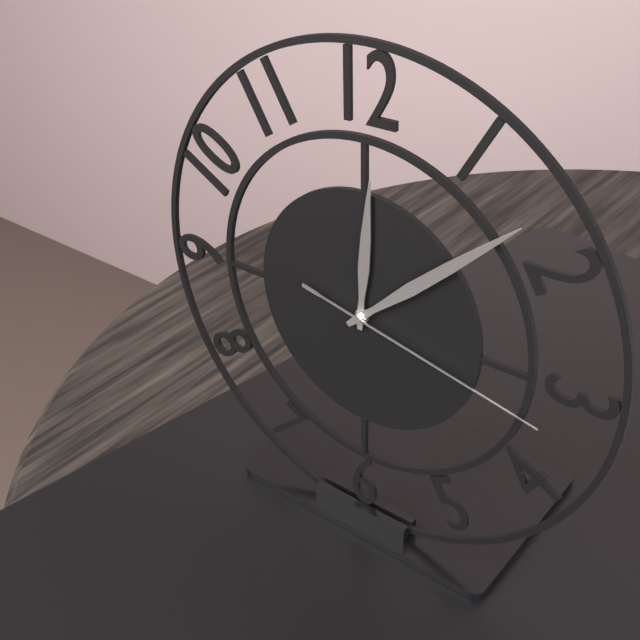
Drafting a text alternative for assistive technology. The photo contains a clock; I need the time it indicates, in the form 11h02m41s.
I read 12h08m17s
